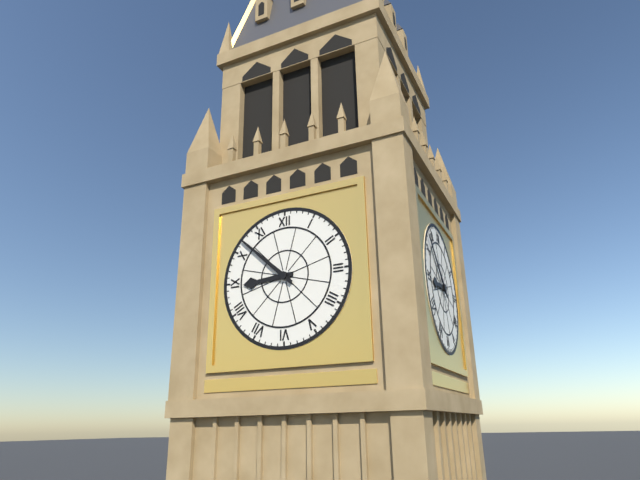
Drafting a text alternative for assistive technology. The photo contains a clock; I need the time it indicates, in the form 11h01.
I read 8h52
